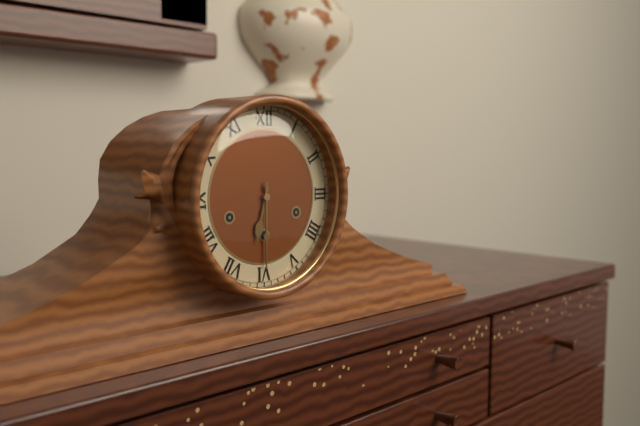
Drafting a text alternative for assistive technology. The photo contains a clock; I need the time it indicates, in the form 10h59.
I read 6h30
